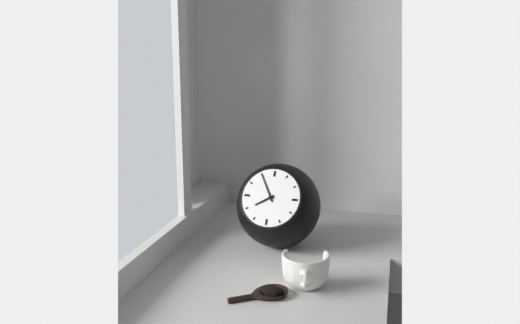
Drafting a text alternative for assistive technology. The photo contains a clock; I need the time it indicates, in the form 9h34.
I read 7h55
